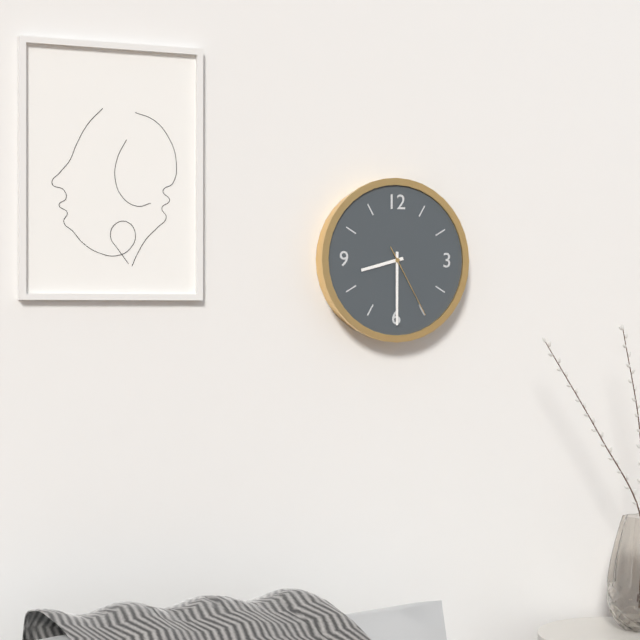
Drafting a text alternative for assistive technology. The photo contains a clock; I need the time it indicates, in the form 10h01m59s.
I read 8h30m25s
